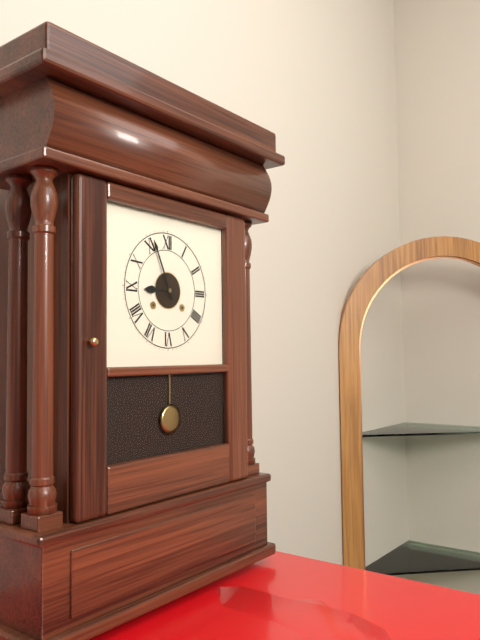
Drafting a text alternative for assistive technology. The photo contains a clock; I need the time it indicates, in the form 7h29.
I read 8h56
